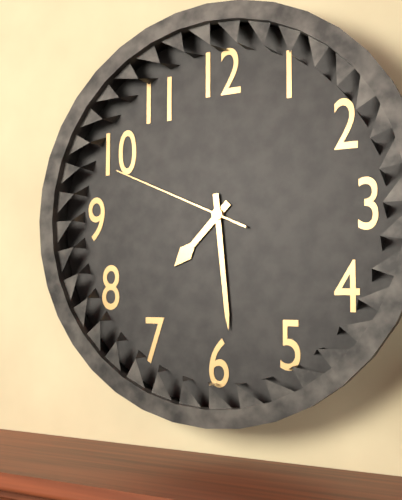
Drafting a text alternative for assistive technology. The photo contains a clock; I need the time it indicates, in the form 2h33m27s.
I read 7h29m49s
